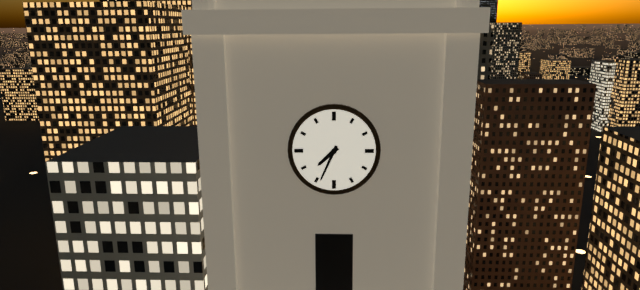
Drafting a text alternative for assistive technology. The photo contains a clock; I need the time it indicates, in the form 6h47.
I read 7h34
